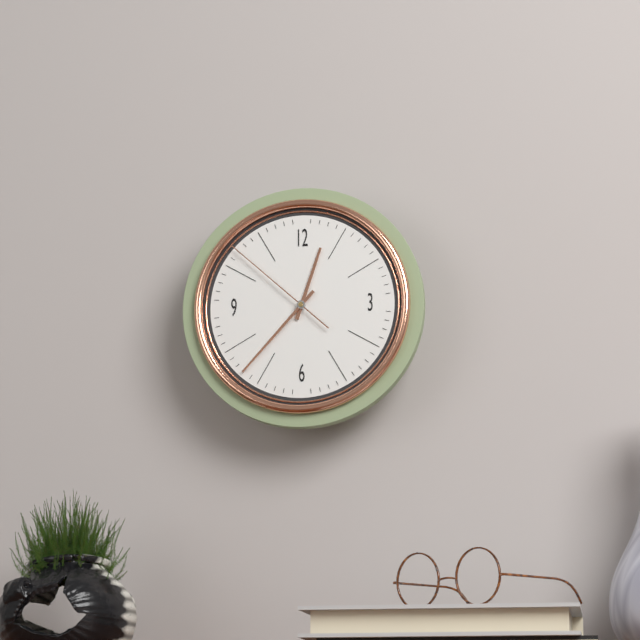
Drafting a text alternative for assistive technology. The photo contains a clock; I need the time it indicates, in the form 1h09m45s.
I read 12h37m52s
